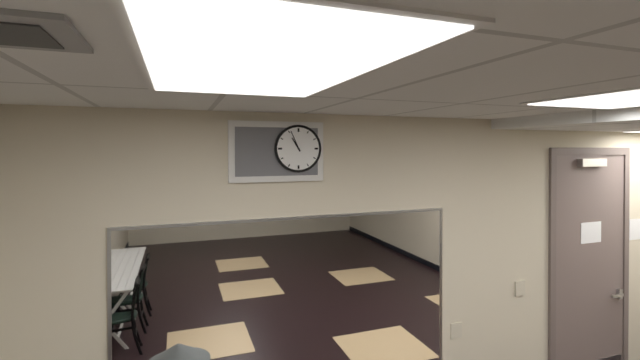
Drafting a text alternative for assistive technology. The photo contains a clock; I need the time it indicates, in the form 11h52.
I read 10h56
